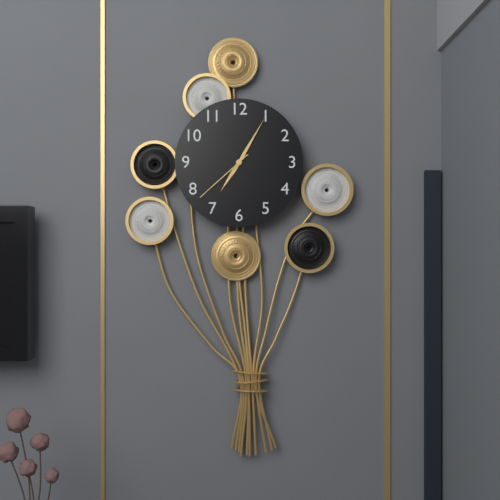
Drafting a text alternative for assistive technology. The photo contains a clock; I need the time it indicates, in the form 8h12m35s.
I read 7h05m38s
